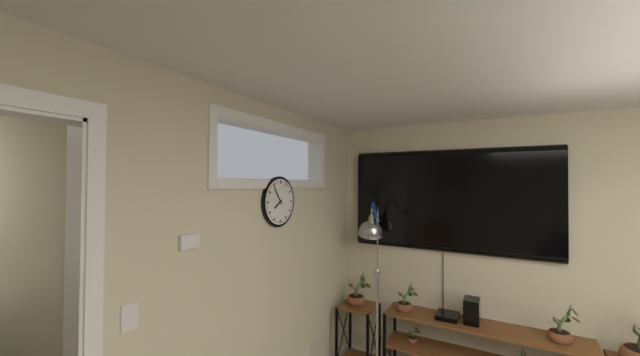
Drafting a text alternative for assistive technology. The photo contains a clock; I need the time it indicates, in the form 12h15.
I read 7h54
